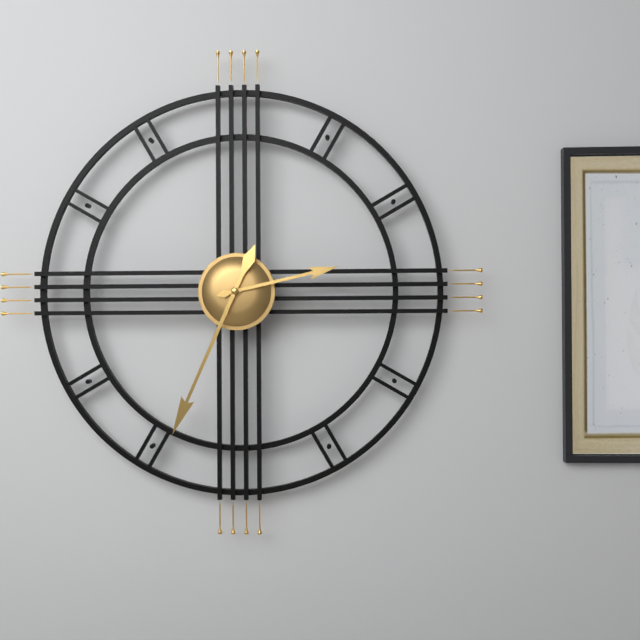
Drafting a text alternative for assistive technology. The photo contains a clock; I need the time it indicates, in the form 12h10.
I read 2h34
